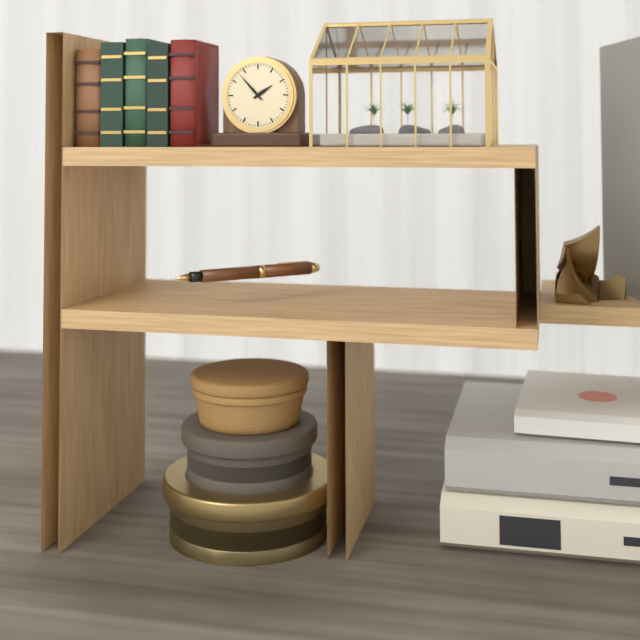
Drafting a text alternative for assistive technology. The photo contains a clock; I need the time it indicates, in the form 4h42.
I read 1h53
